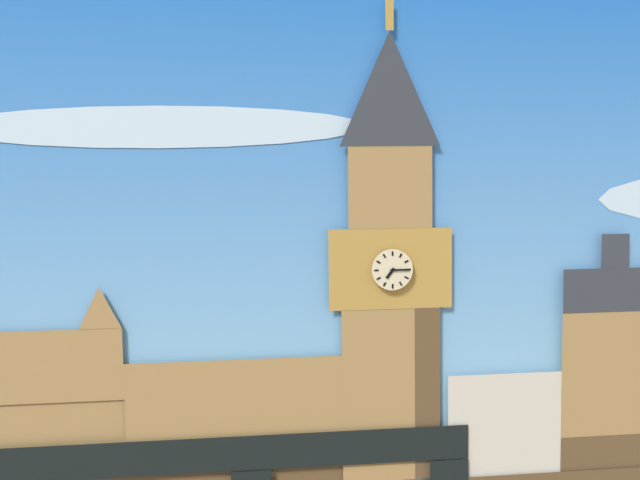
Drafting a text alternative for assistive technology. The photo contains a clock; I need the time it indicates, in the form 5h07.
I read 7h15
